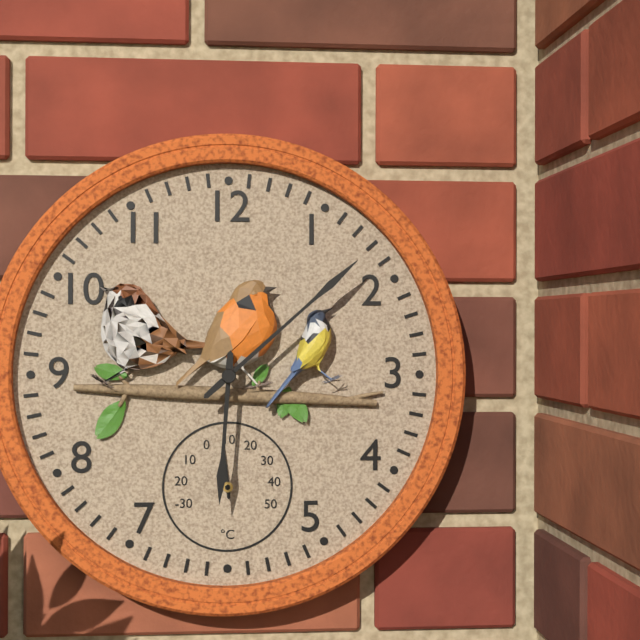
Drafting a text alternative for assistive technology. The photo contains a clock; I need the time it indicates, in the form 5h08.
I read 6h08
